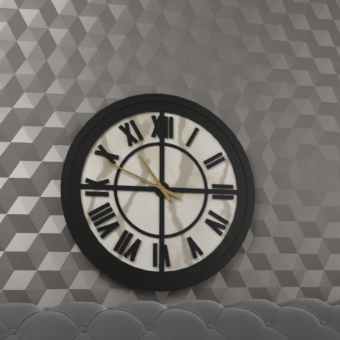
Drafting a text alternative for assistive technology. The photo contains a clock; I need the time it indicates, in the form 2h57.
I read 10h49
